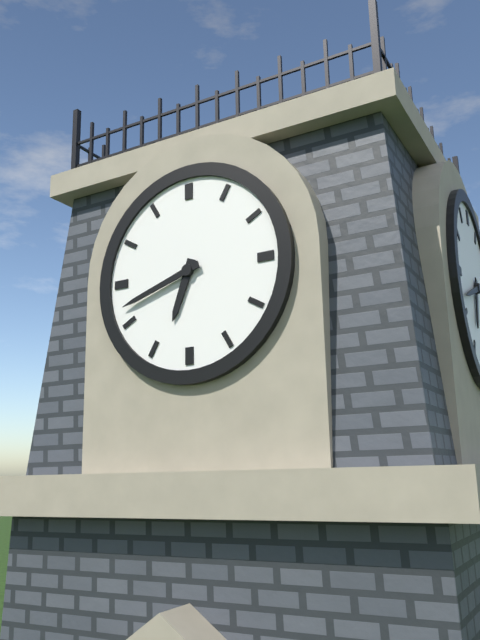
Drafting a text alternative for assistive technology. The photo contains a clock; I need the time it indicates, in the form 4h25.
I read 6h42
